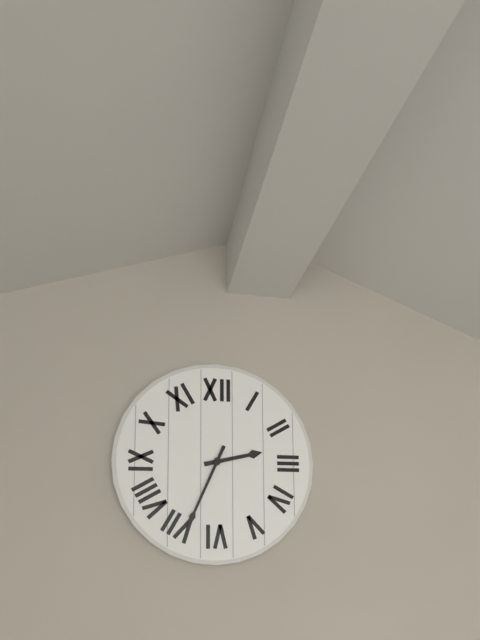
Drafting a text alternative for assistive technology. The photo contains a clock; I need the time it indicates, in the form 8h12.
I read 2h34
